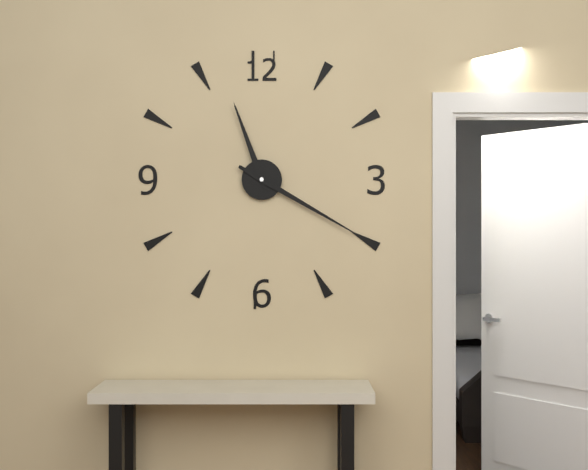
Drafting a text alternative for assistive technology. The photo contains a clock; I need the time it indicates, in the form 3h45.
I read 11h20
